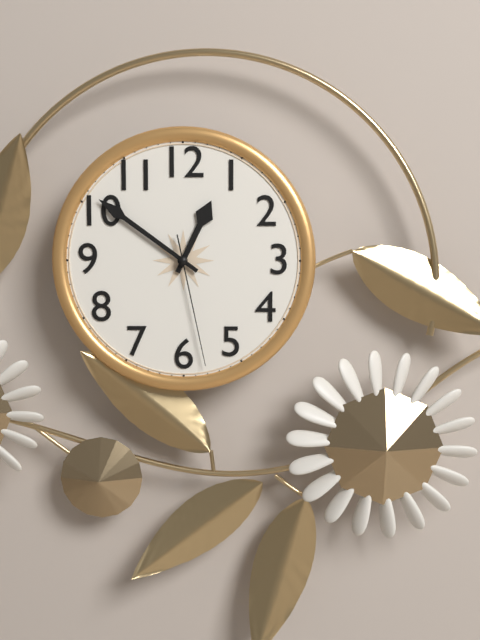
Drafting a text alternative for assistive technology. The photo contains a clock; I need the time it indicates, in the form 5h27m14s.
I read 12h51m28s
